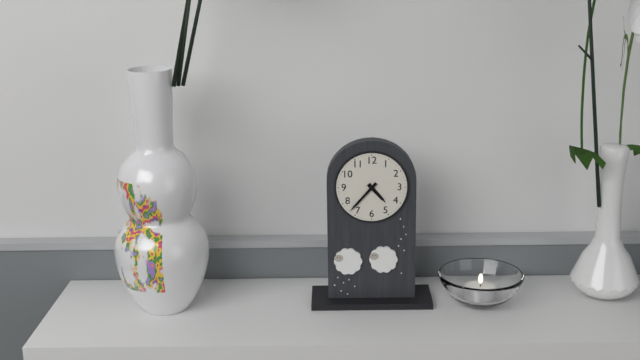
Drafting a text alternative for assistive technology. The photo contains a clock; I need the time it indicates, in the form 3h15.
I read 4h37
